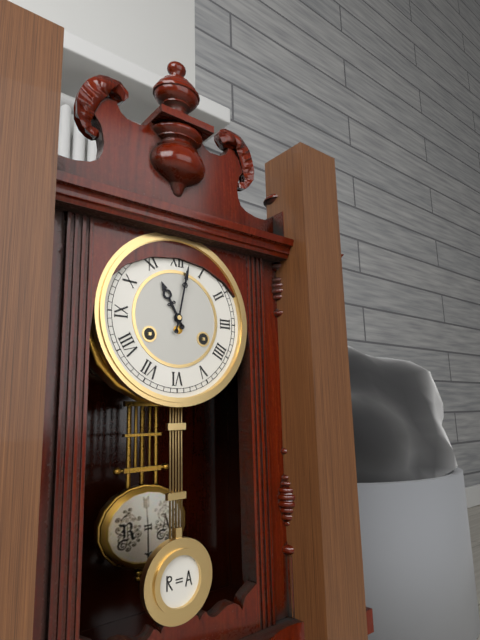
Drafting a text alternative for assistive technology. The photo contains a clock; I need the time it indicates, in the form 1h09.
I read 11h02
